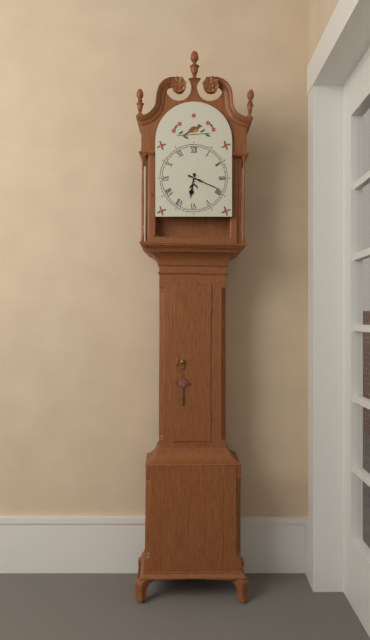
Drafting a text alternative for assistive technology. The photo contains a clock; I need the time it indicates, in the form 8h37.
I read 6h19
